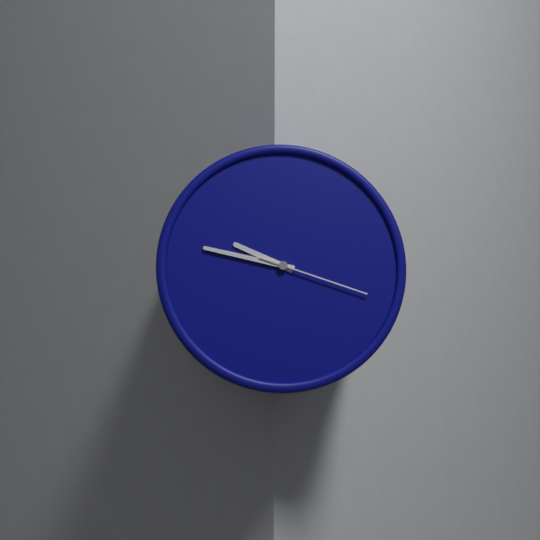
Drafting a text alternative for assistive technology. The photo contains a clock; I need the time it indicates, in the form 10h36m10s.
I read 9h47m18s
